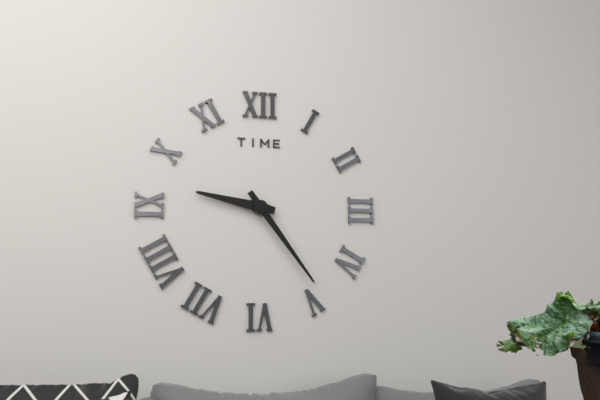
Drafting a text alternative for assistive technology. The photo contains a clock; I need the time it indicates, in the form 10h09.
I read 9h24
